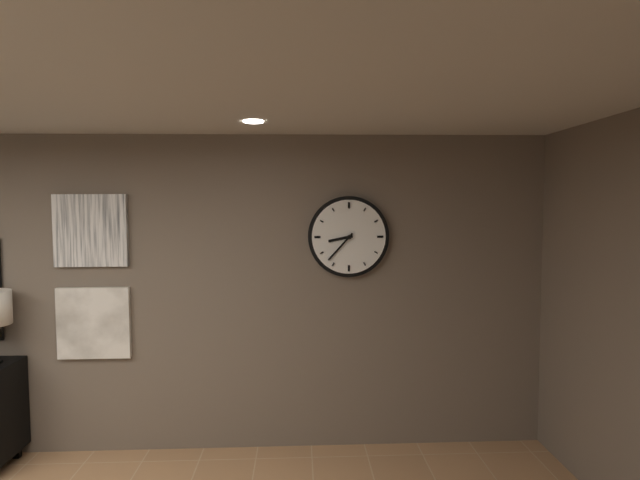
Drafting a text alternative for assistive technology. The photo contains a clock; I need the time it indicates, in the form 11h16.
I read 8h37
